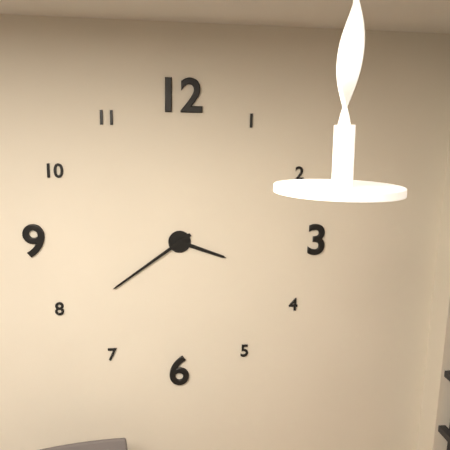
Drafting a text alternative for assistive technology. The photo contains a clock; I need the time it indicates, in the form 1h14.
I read 3h39
